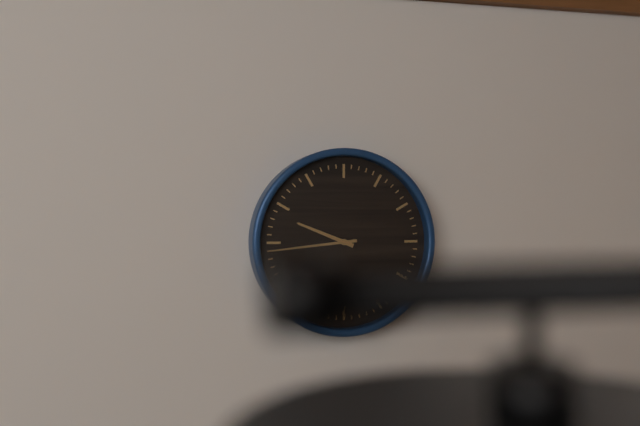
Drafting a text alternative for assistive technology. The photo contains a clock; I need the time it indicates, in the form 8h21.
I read 9h44
